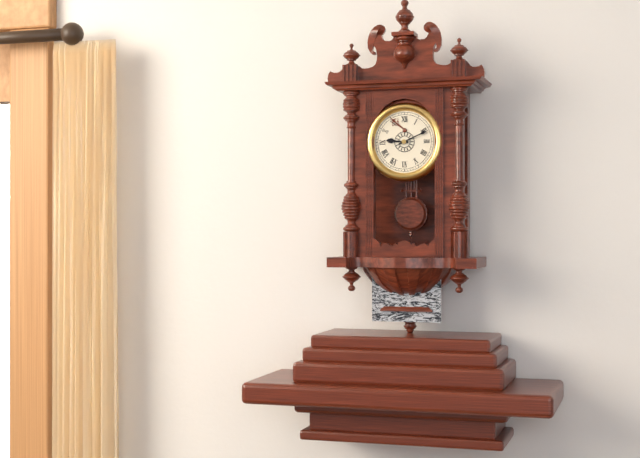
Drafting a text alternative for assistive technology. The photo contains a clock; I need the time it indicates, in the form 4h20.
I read 9h11
